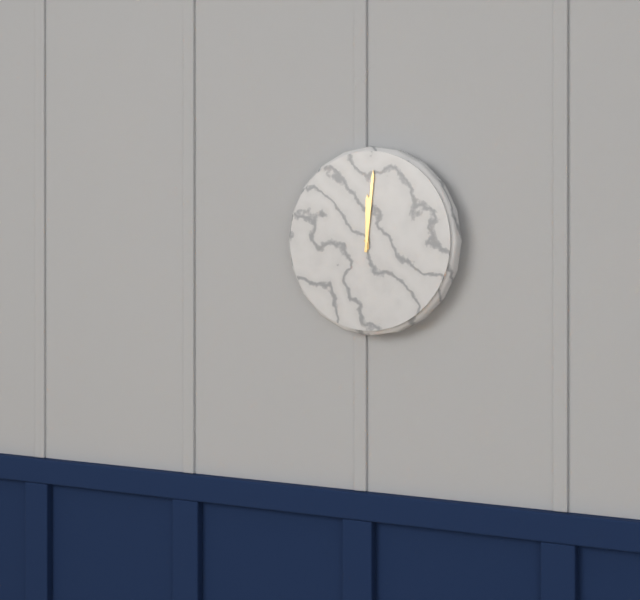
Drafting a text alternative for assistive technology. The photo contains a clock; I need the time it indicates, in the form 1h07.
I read 12h01
